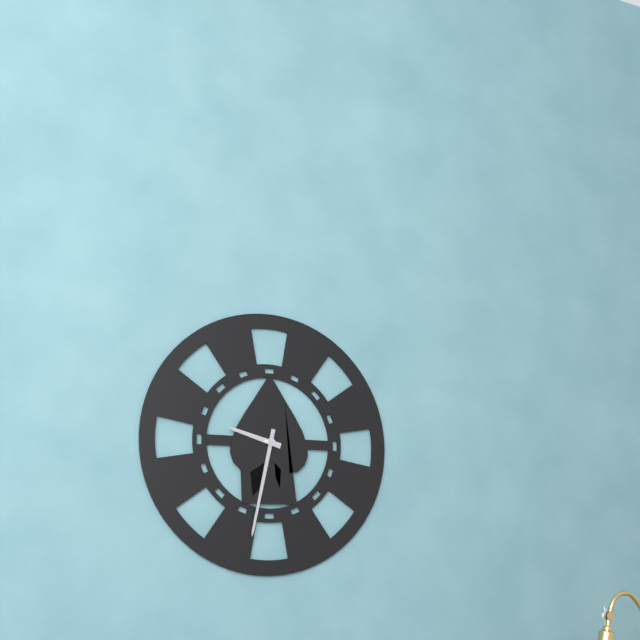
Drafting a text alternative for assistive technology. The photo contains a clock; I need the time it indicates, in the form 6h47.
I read 9h32
